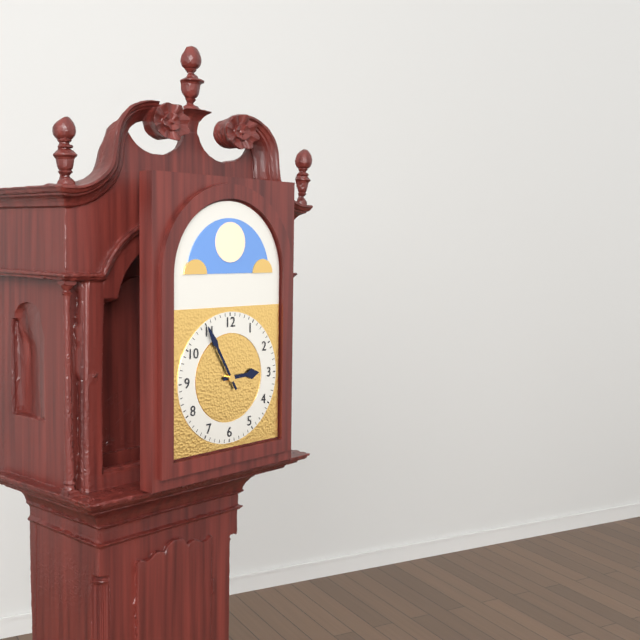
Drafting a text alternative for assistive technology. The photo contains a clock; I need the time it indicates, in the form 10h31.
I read 2h55
